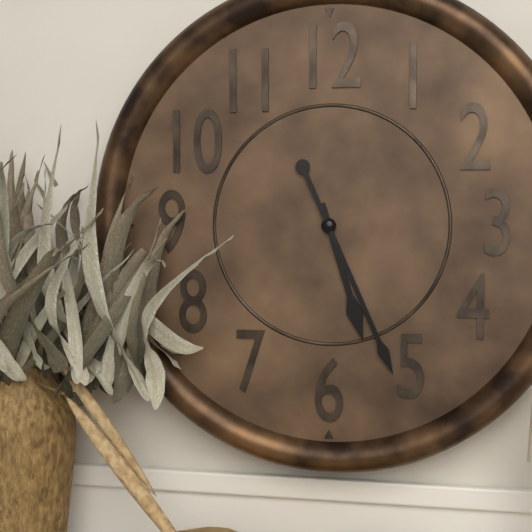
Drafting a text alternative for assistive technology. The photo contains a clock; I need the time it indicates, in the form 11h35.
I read 5h26
